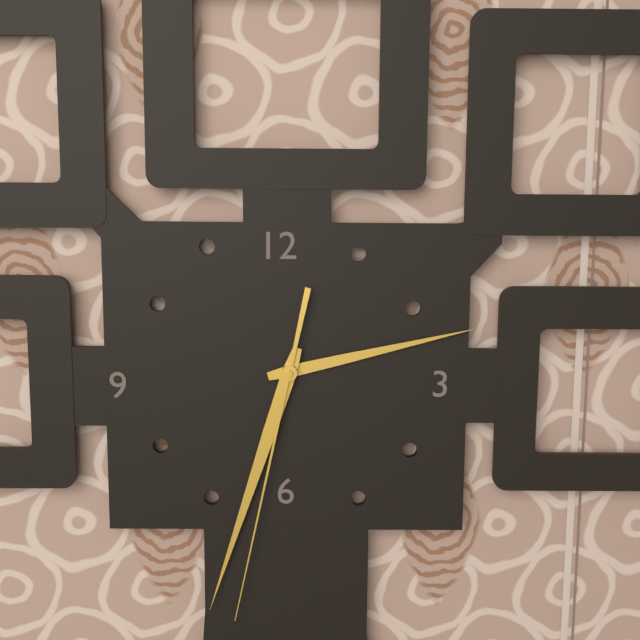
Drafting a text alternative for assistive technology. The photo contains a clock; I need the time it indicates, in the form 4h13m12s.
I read 2h33m32s
